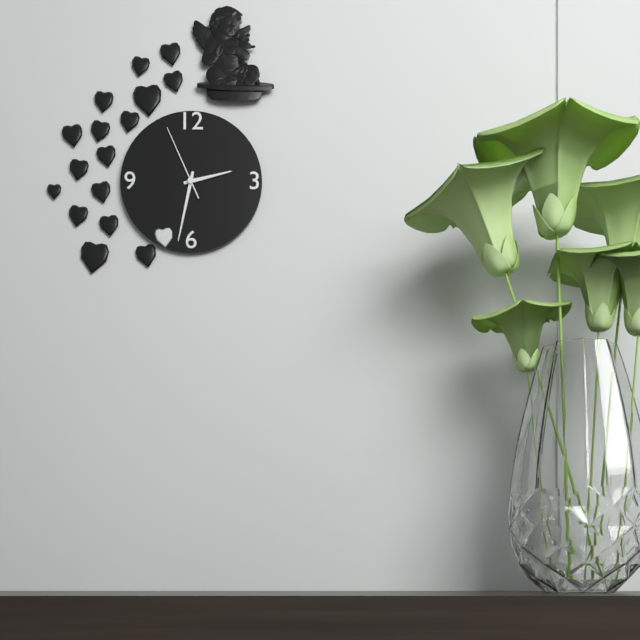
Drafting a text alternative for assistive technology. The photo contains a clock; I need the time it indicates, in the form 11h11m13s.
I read 2h32m56s
